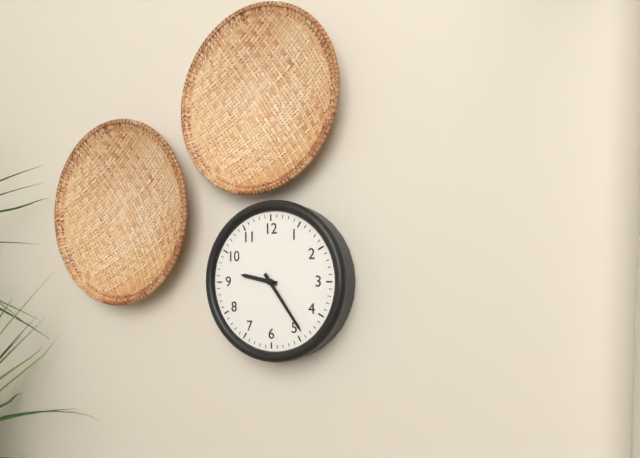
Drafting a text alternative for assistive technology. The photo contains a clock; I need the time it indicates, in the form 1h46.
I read 9h24
